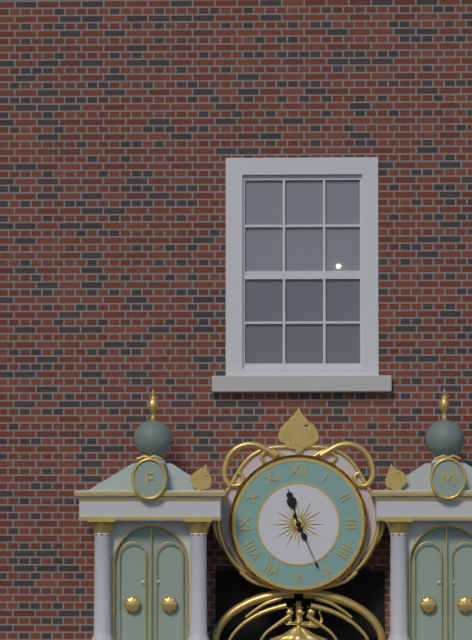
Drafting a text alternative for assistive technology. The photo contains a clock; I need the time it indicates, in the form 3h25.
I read 11h26
